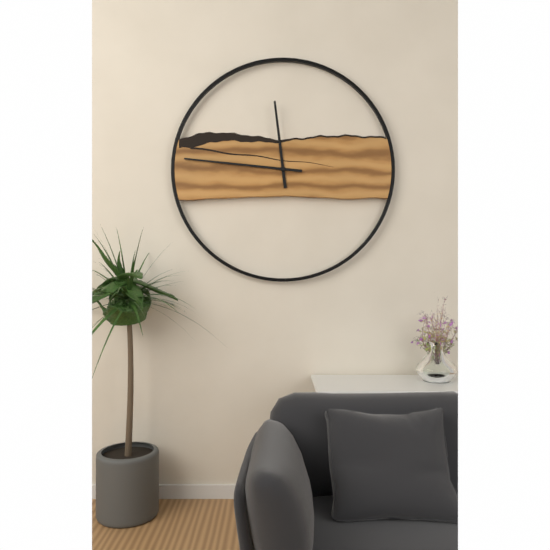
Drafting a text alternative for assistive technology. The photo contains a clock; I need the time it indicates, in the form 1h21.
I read 11h46
